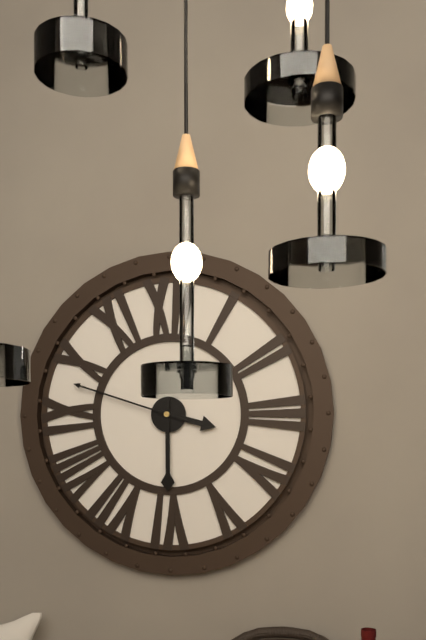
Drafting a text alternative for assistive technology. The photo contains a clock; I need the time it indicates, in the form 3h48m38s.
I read 3h30m48s
